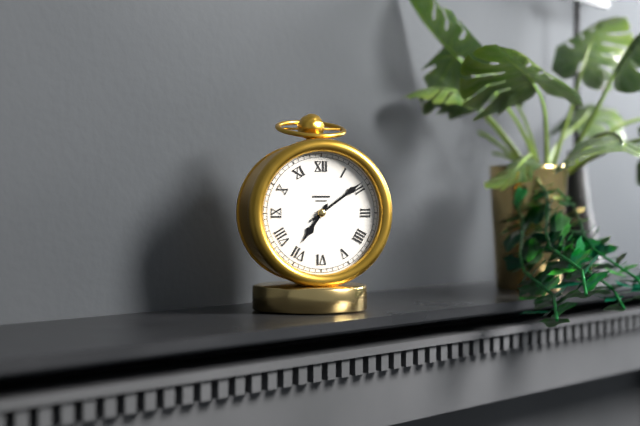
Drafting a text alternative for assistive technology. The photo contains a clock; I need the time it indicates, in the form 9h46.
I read 7h09
